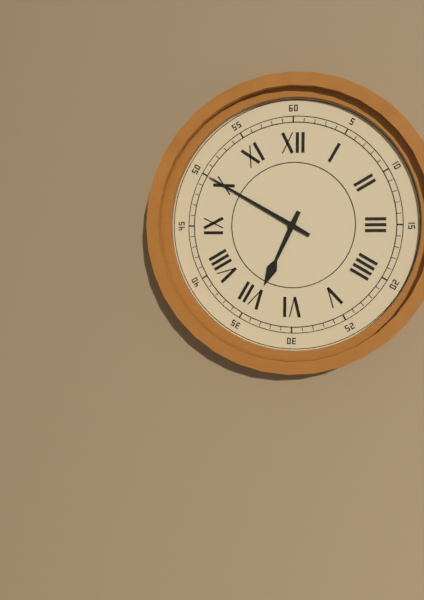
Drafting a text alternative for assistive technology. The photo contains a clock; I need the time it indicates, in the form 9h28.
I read 6h50
